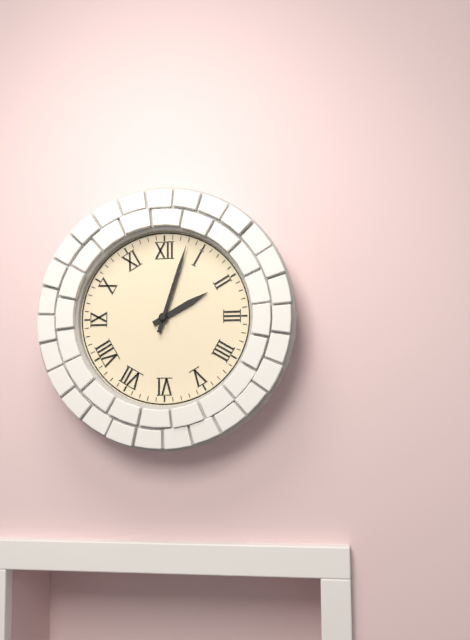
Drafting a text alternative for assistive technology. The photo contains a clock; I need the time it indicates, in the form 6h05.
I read 2h03
